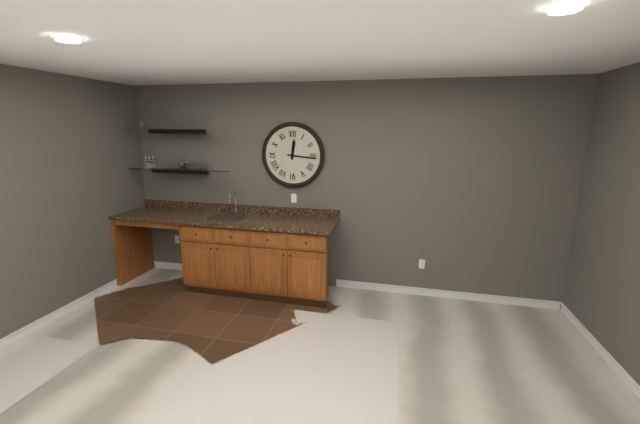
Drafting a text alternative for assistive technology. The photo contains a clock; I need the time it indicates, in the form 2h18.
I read 12h16
